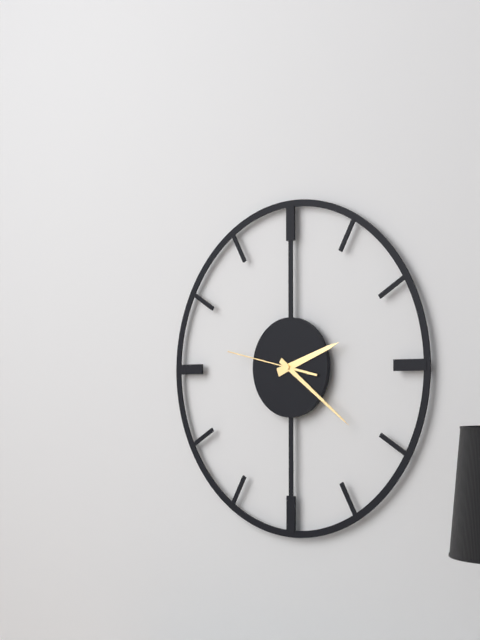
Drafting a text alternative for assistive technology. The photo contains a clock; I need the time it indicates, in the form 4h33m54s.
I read 2h21m47s
